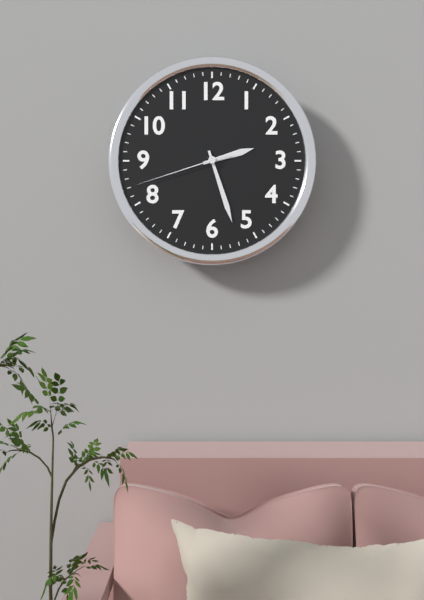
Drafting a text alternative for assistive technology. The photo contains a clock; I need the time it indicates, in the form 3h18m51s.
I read 2h27m42s
